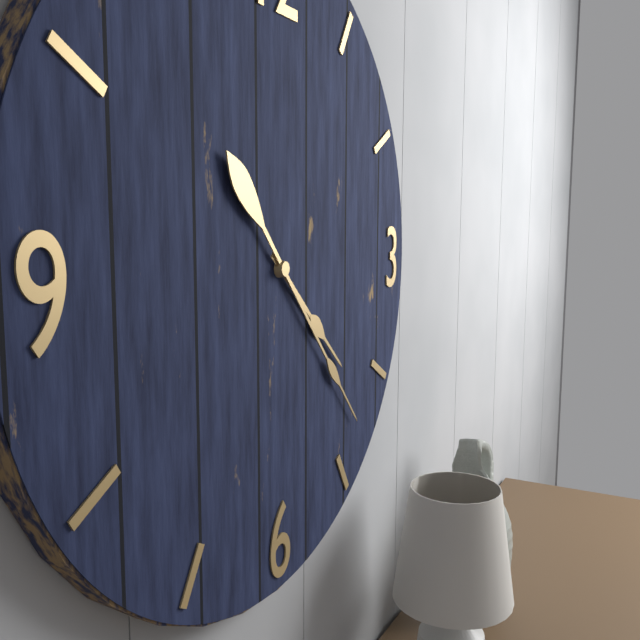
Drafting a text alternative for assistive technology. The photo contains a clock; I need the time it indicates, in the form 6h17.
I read 4h23
